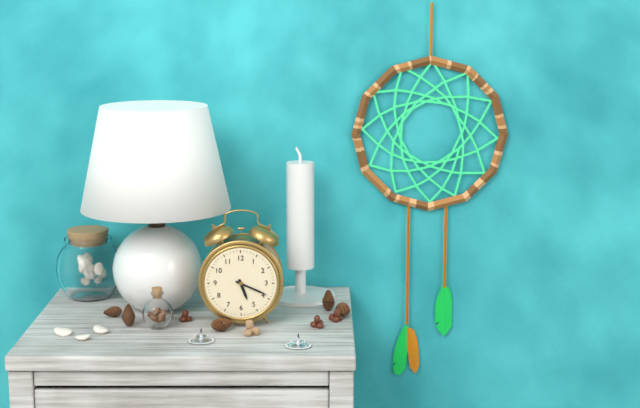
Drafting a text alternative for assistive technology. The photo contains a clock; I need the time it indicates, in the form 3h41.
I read 5h19
